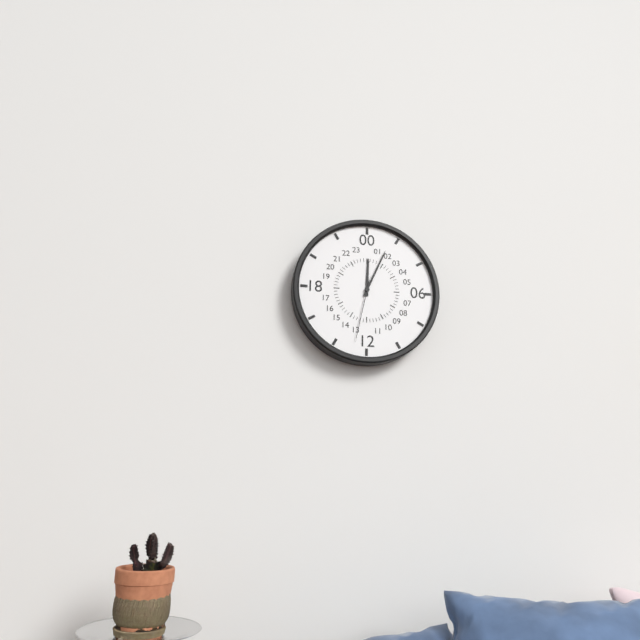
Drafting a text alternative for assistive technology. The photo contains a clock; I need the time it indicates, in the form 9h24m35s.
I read 12h04m32s
